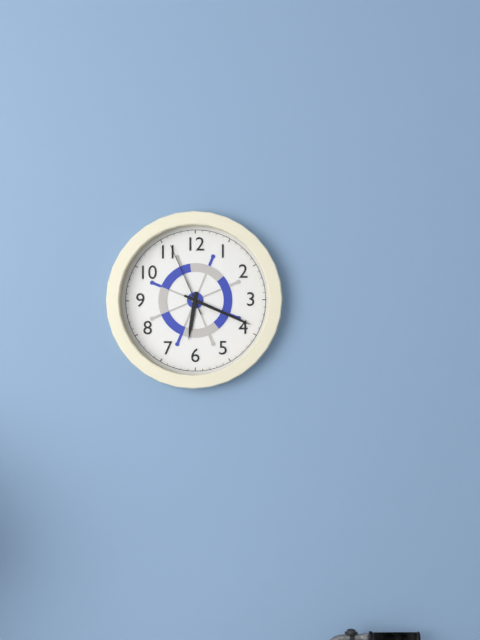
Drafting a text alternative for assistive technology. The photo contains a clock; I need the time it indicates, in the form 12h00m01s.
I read 6h19m56s
